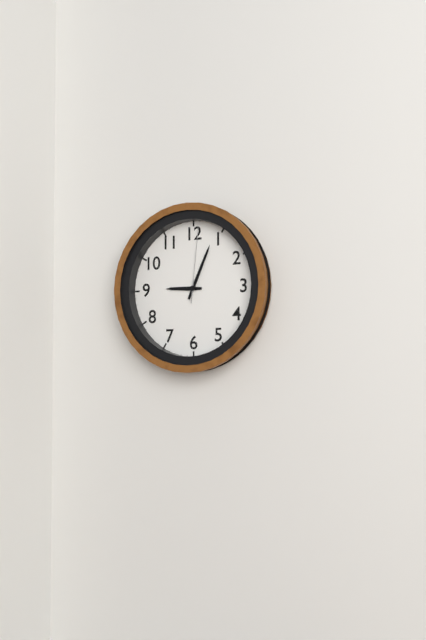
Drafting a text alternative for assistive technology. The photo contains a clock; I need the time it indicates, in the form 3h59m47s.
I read 9h04m01s
